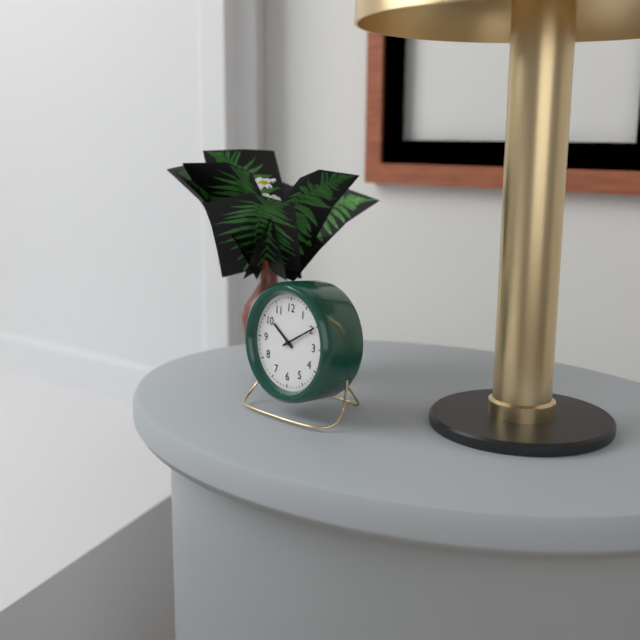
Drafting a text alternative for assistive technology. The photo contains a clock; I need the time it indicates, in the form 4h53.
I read 10h10
